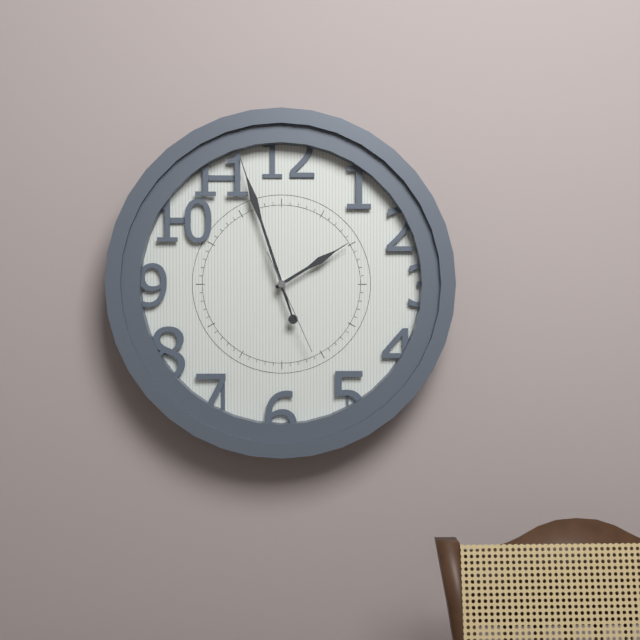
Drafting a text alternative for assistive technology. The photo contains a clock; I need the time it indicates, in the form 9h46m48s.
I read 1h57m26s
